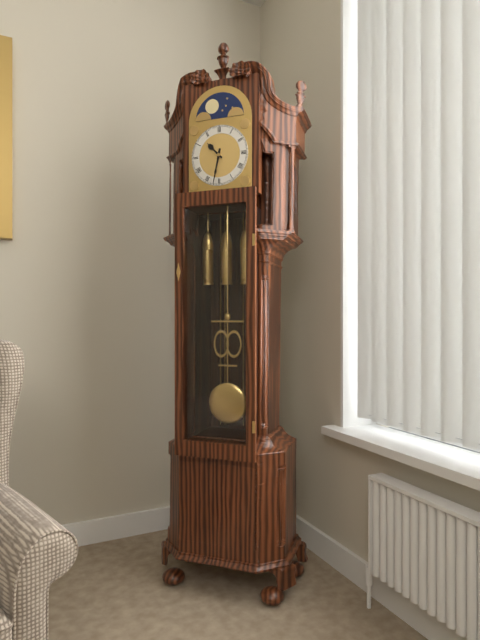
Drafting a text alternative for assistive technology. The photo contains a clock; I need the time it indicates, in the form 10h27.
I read 10h32
